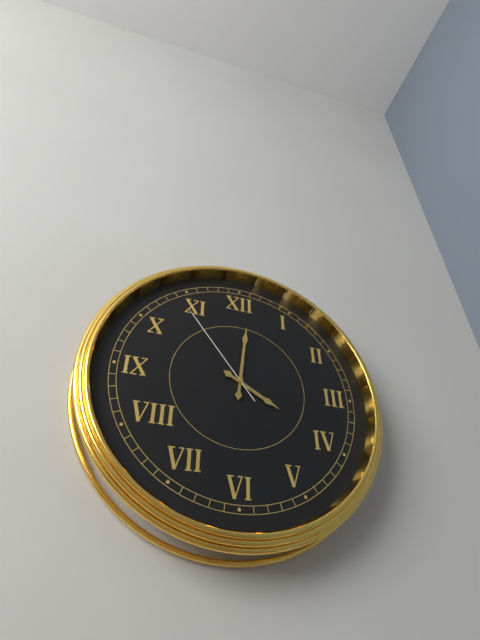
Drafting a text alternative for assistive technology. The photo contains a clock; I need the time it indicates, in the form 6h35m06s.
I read 4h01m54s
